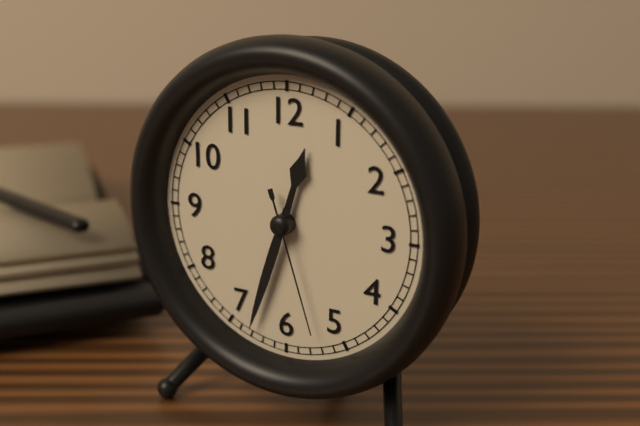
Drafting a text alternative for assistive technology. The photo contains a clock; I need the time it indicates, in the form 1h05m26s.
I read 12h33m27s
